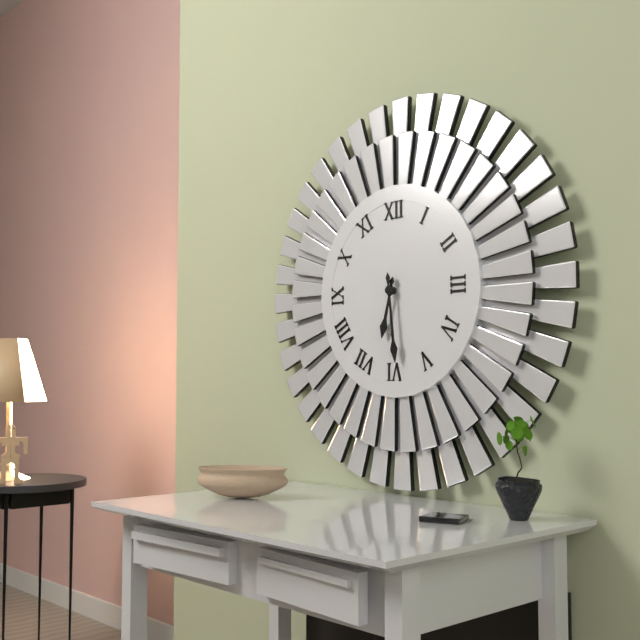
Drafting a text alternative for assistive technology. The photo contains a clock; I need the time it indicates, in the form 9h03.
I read 6h29
